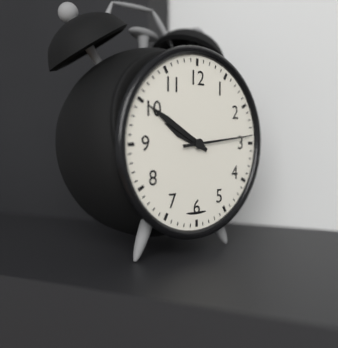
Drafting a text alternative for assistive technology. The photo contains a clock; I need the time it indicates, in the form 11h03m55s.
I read 9h50m14s
